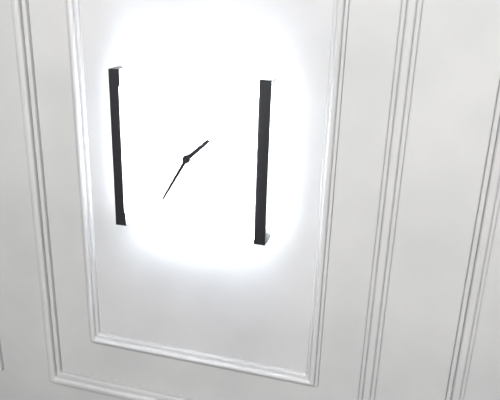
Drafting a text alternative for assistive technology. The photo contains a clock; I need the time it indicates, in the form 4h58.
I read 1h35
